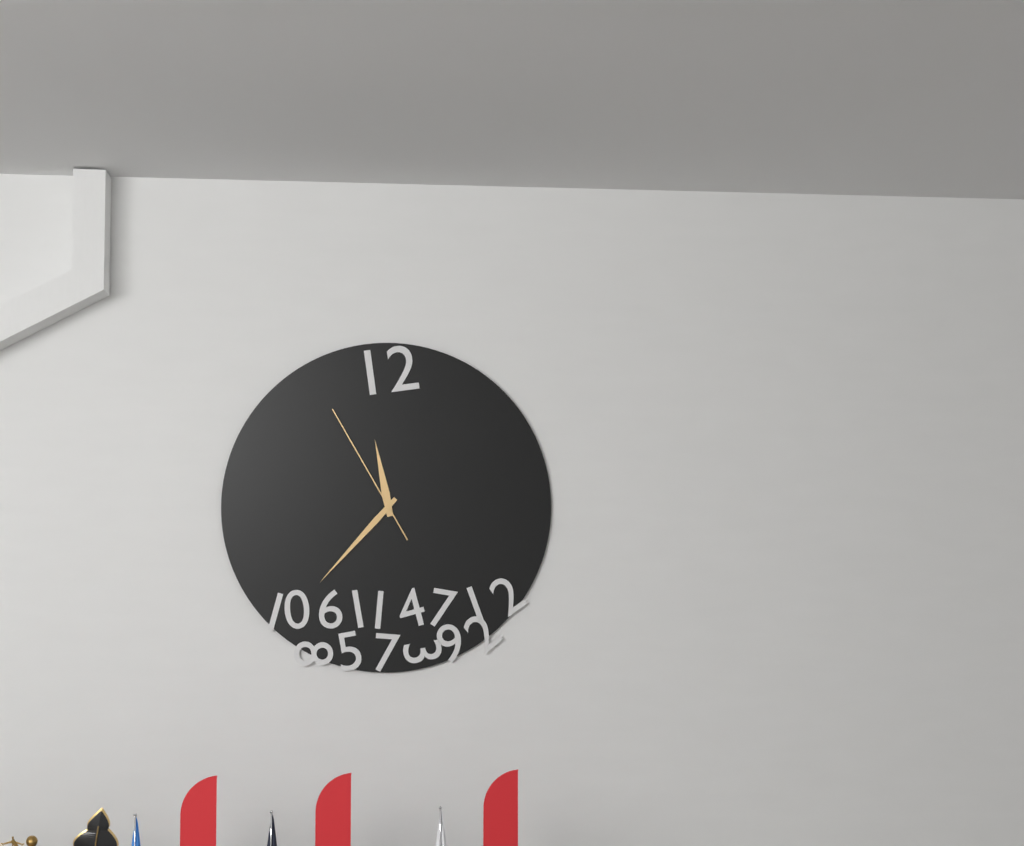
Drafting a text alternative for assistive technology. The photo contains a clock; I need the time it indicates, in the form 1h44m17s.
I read 11h37m55s
